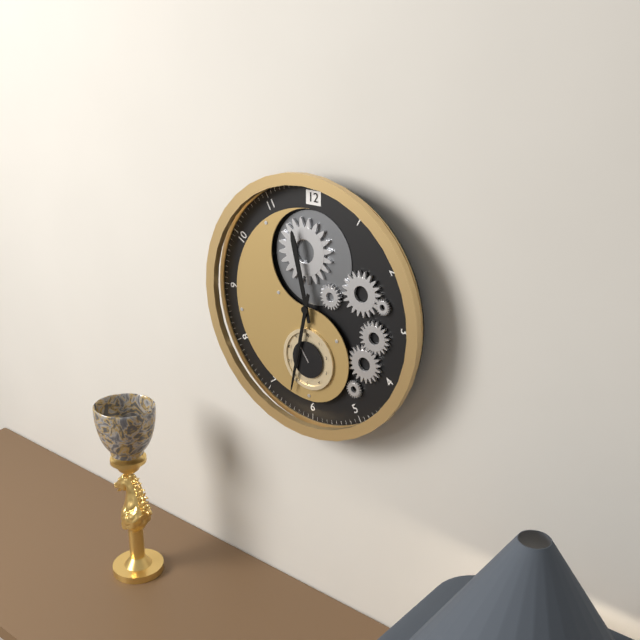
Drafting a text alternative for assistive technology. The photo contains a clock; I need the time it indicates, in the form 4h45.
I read 11h32
